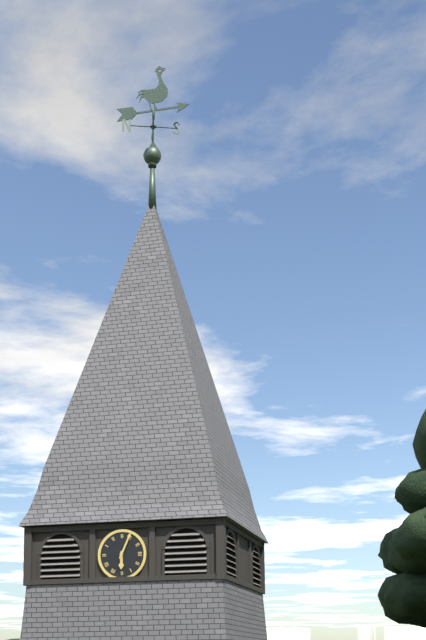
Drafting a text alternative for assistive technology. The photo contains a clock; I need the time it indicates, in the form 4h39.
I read 6h04
